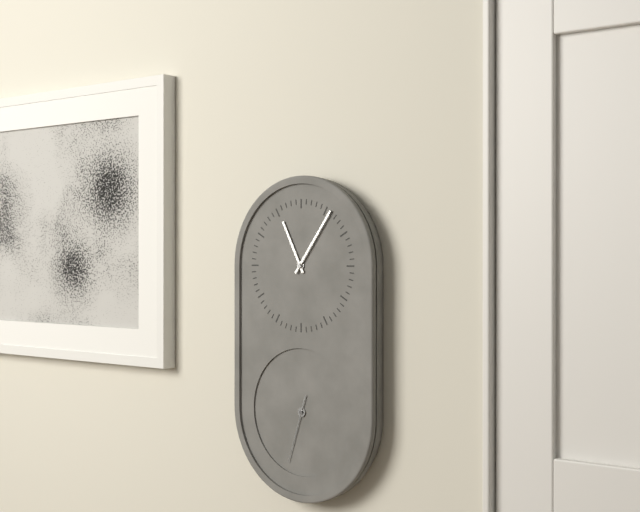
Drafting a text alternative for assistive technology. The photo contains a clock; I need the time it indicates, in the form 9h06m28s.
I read 11h06m33s
